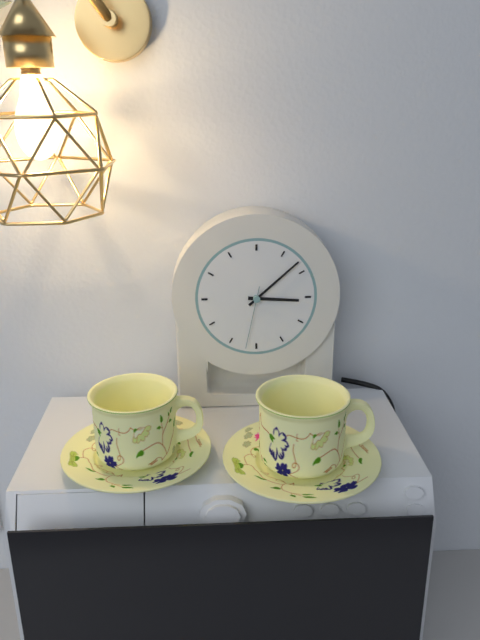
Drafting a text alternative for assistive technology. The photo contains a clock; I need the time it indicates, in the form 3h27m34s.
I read 3h08m32s
